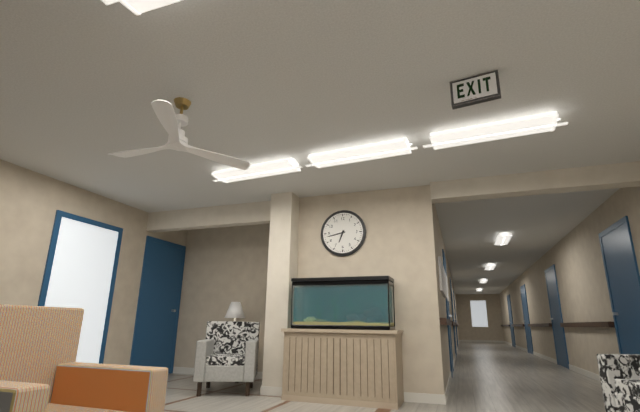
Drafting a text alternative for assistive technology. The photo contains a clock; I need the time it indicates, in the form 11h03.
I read 6h43
